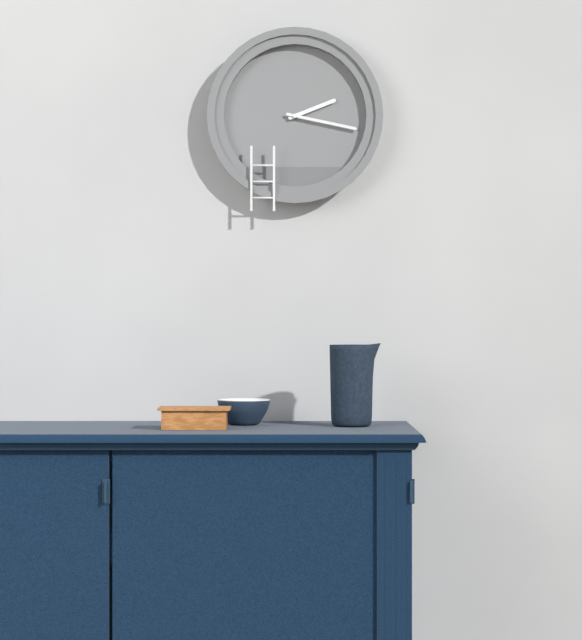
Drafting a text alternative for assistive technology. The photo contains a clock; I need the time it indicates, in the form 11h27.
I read 2h17
